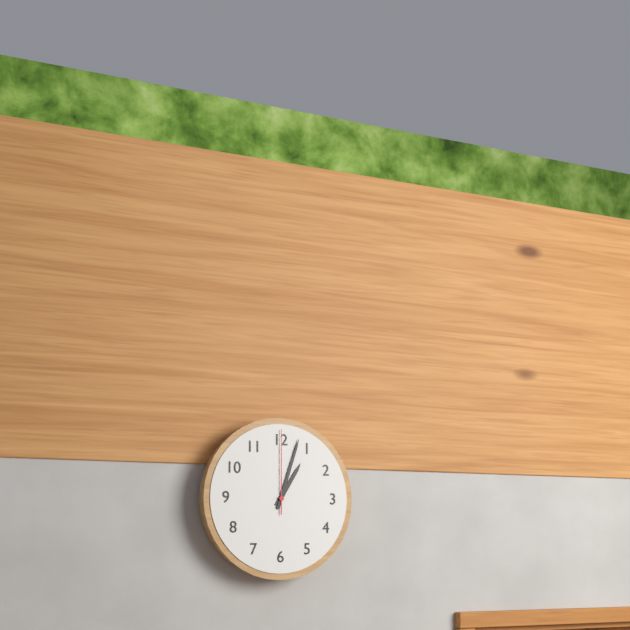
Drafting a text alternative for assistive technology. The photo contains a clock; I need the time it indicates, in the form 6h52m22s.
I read 1h03m00s
